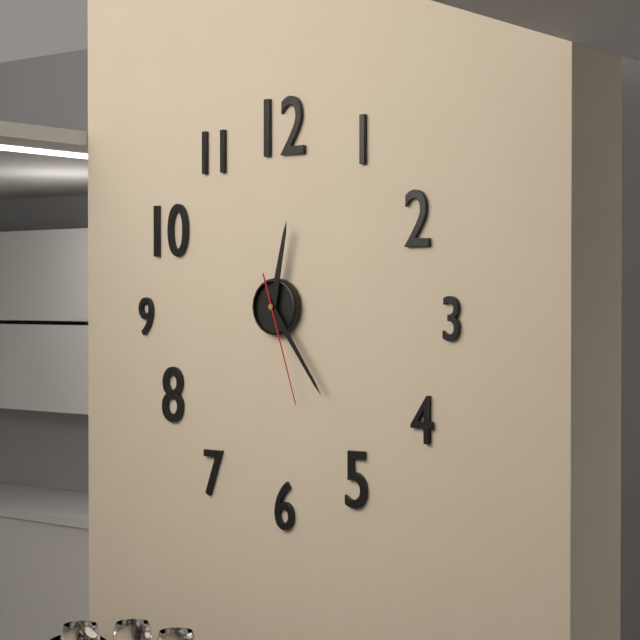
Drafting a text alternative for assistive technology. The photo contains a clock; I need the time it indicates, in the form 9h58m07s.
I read 12h24m27s
